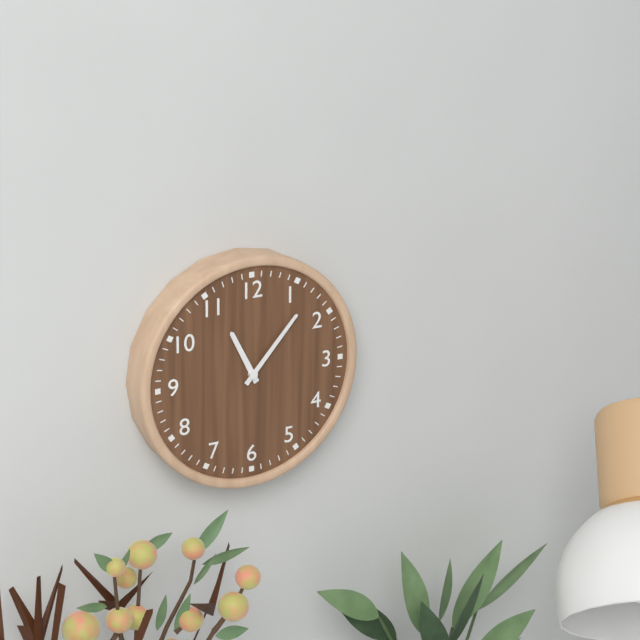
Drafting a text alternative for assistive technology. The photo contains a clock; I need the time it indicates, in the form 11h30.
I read 11h07
